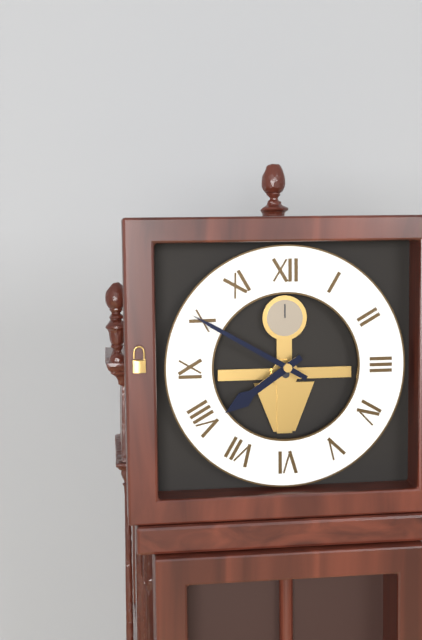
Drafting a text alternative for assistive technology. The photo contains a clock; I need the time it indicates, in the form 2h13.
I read 7h50
